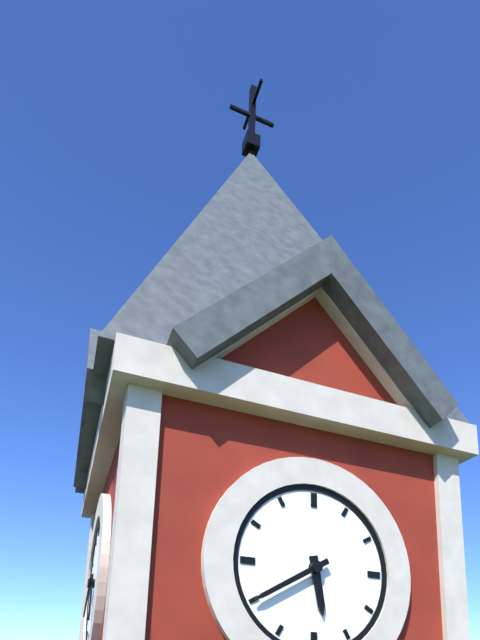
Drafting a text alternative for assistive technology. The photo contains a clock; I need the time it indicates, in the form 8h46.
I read 5h40
